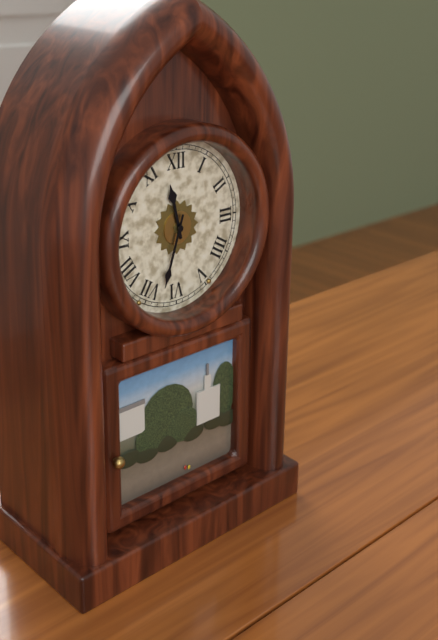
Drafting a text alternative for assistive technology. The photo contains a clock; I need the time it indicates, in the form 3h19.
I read 11h33
